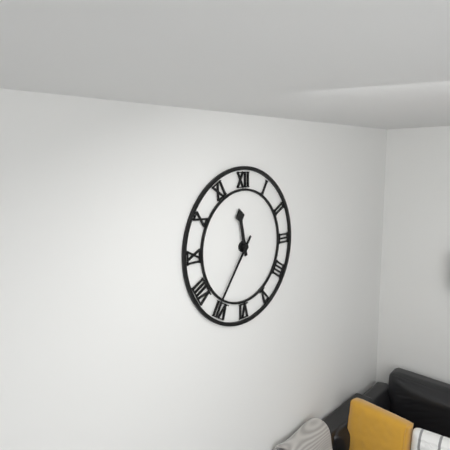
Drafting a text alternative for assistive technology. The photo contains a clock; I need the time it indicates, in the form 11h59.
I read 11h36
